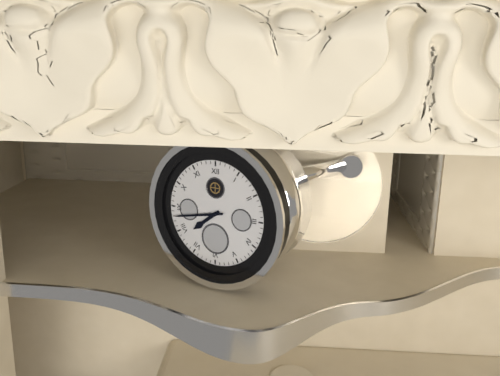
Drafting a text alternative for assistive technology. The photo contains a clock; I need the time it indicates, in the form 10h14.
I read 7h43
